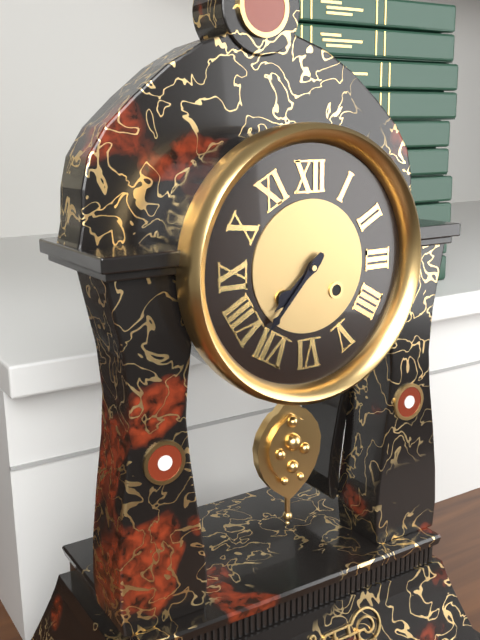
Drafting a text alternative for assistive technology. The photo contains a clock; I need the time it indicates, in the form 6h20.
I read 7h37
